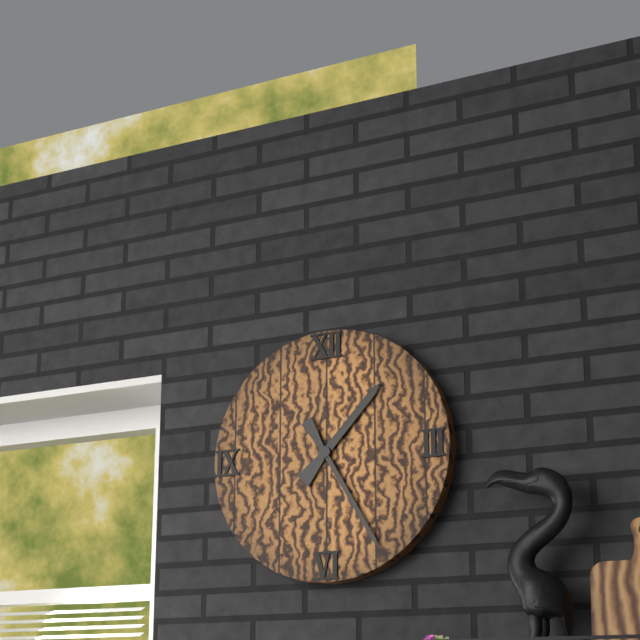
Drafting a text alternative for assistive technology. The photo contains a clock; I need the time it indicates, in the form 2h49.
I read 1h25
